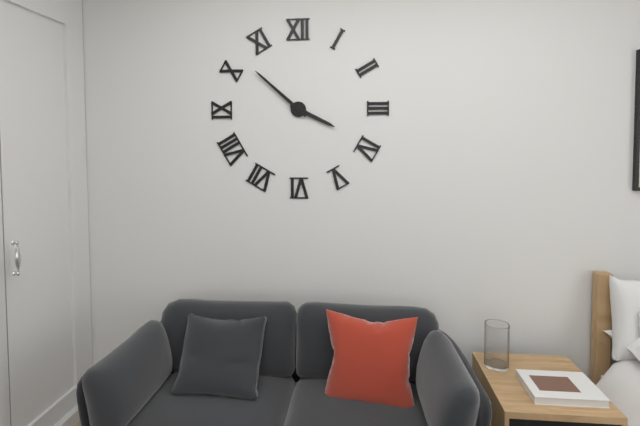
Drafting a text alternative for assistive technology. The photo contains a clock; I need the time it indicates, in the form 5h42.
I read 3h52
